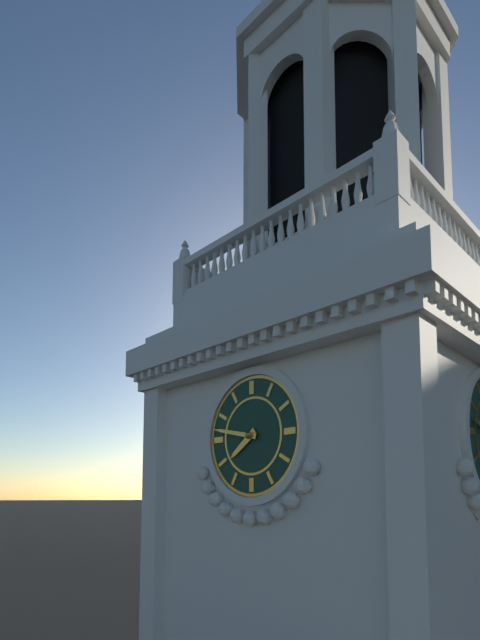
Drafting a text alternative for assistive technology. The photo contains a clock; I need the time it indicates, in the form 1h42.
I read 7h47
